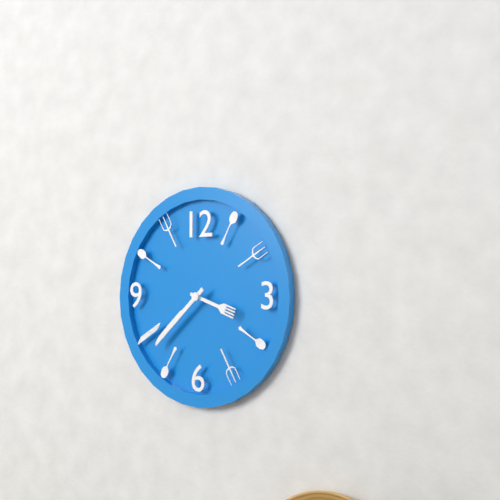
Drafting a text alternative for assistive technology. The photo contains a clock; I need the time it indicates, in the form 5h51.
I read 3h38
